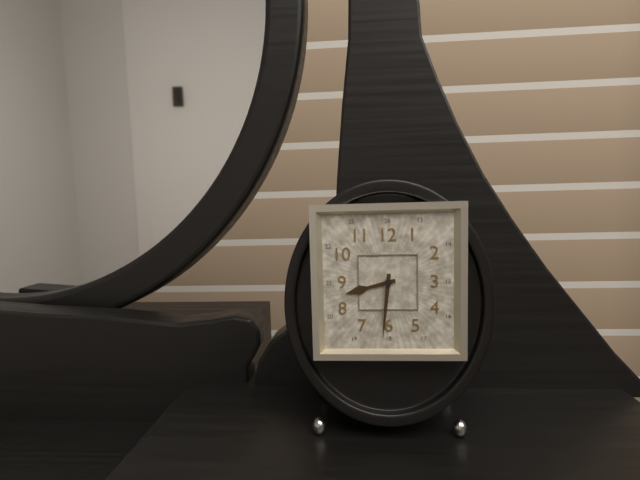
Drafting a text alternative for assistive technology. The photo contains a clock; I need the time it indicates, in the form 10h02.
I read 8h31
